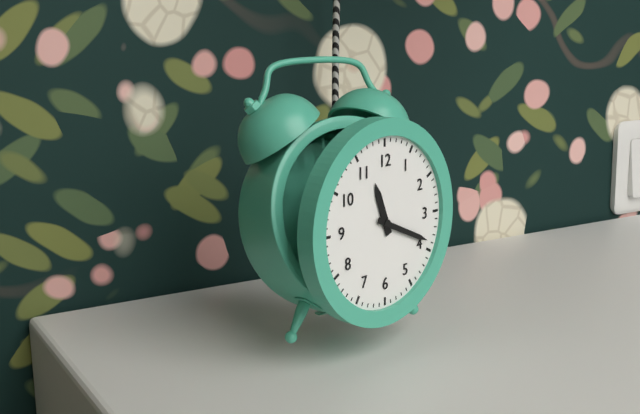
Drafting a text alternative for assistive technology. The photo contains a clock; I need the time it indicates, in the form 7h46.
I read 11h19
